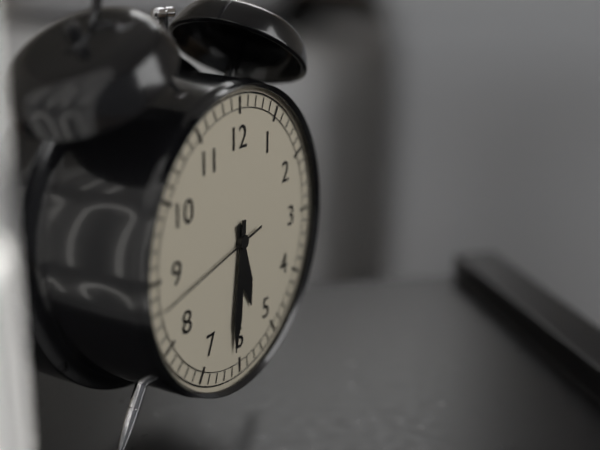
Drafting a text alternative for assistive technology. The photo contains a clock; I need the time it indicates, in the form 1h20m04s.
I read 5h31m43s
